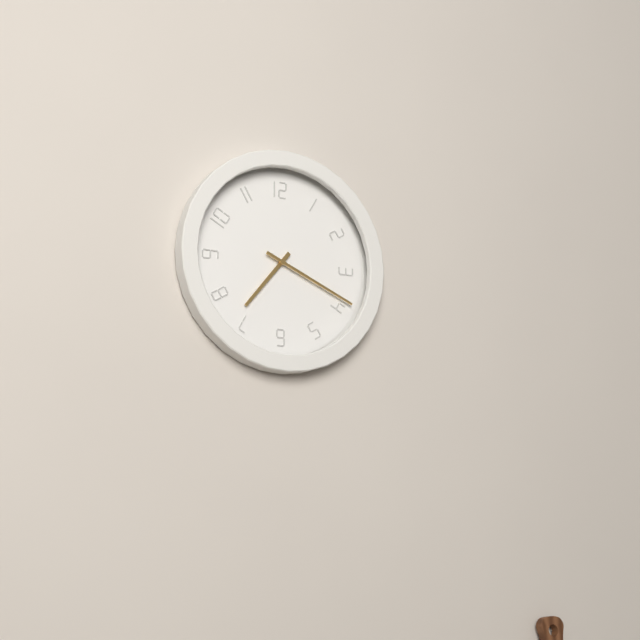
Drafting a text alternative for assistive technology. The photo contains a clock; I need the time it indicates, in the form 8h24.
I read 7h19
